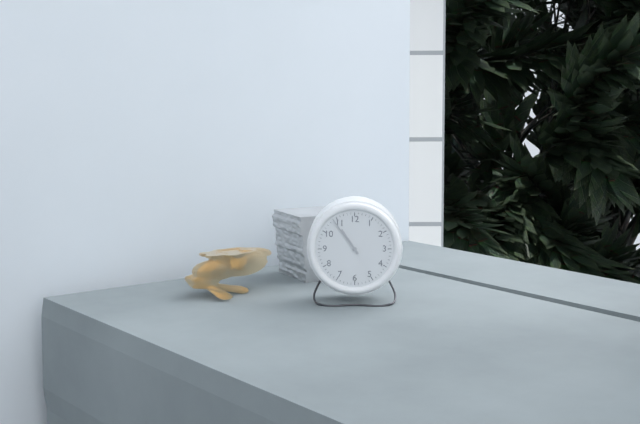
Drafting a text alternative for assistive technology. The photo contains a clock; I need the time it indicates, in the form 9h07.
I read 10h54
